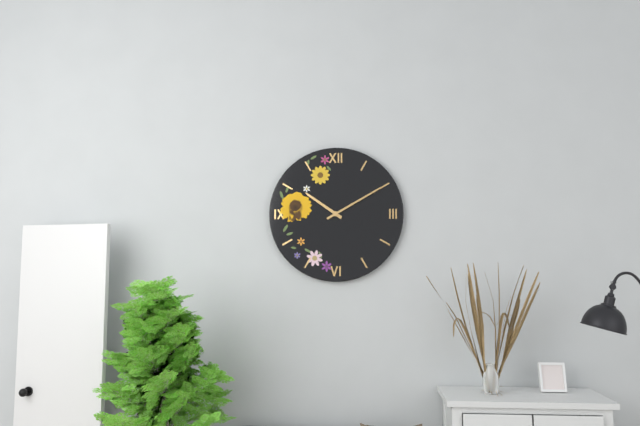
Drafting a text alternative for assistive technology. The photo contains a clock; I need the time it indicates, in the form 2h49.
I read 10h10
